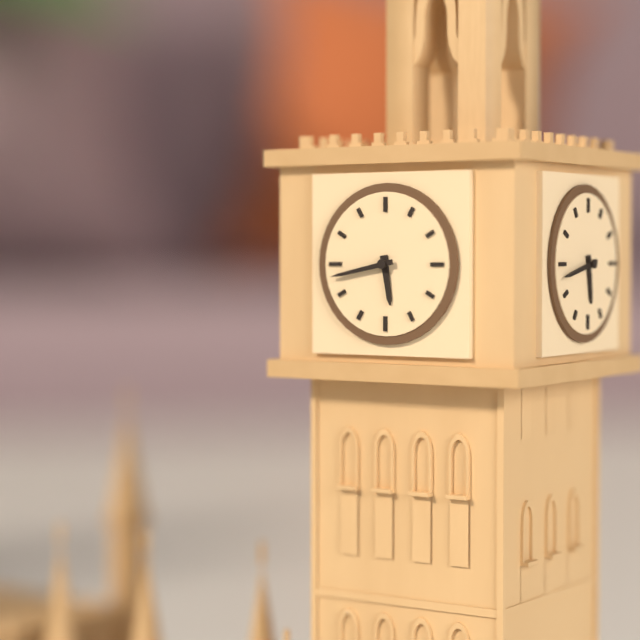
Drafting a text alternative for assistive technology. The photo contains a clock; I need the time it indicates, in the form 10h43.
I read 5h43
